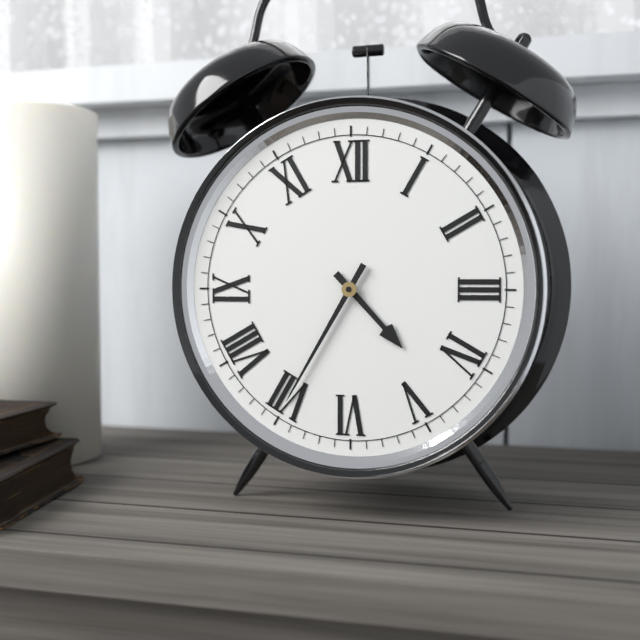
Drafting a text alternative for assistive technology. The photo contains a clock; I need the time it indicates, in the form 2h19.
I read 4h35
